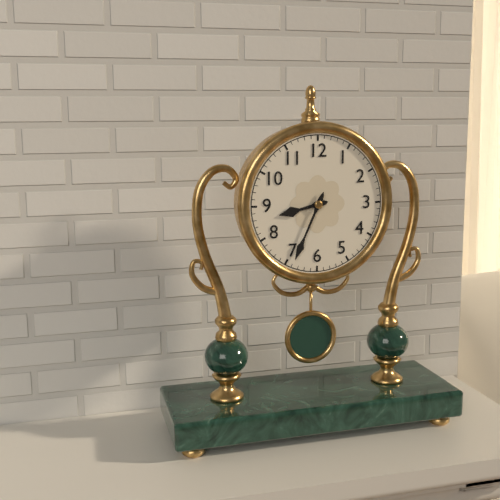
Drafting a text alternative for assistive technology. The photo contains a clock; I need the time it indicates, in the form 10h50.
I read 8h34
